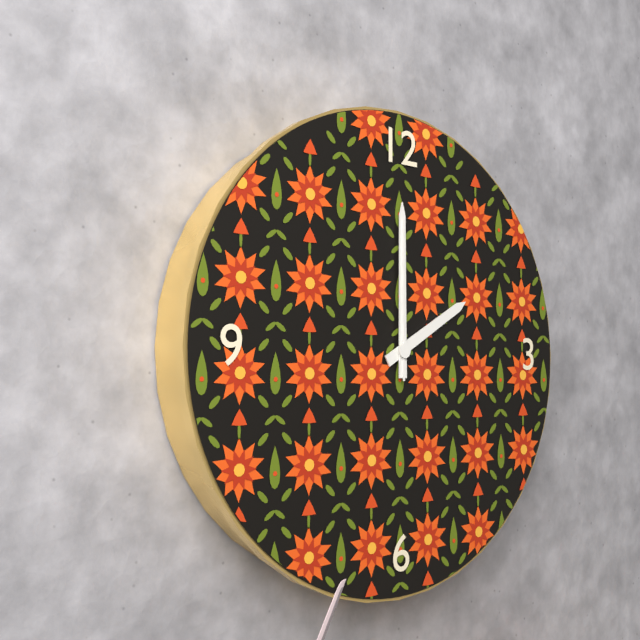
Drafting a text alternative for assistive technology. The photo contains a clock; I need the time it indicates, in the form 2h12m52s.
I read 2h00m00s
